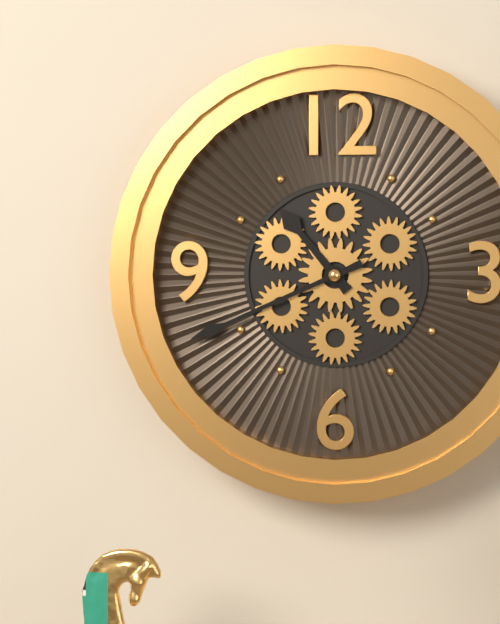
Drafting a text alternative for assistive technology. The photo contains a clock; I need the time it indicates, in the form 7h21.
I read 10h41
